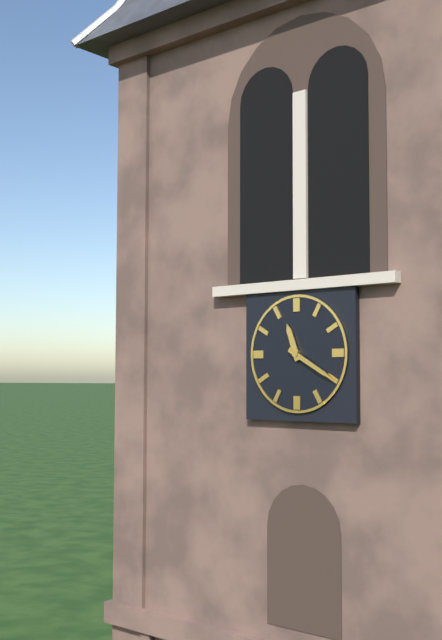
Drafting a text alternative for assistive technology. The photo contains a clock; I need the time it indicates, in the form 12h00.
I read 11h20
